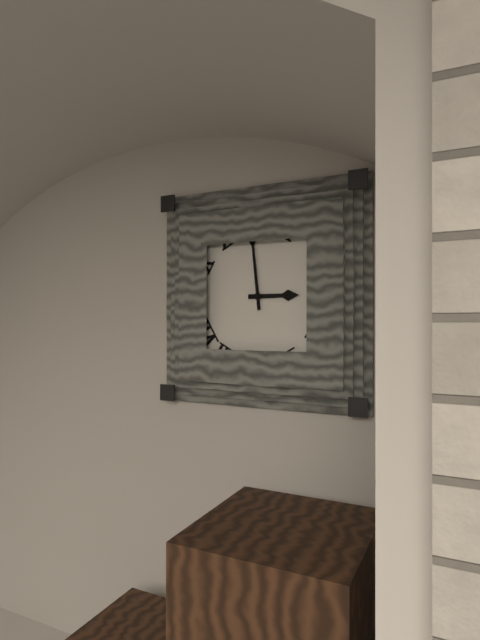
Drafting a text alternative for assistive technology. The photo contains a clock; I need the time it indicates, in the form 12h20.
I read 2h59
